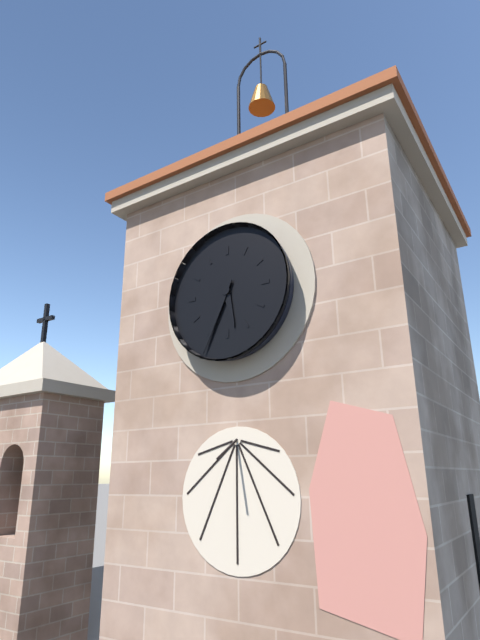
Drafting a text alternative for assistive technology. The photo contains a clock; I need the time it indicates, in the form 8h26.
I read 5h34
